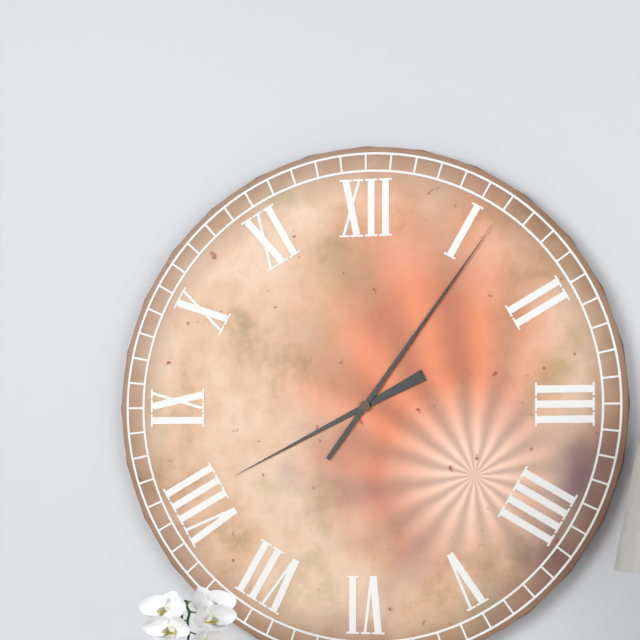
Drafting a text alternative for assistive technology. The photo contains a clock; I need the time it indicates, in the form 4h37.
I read 8h06
